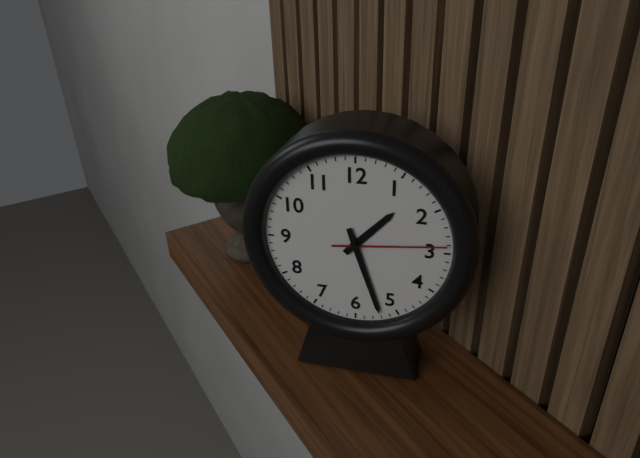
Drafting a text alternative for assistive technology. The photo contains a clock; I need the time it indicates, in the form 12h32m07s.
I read 1h27m14s
